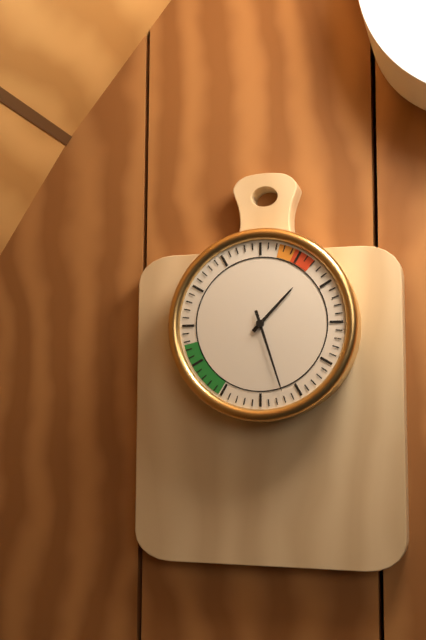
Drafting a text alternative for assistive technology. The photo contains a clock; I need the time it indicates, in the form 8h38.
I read 1h27
